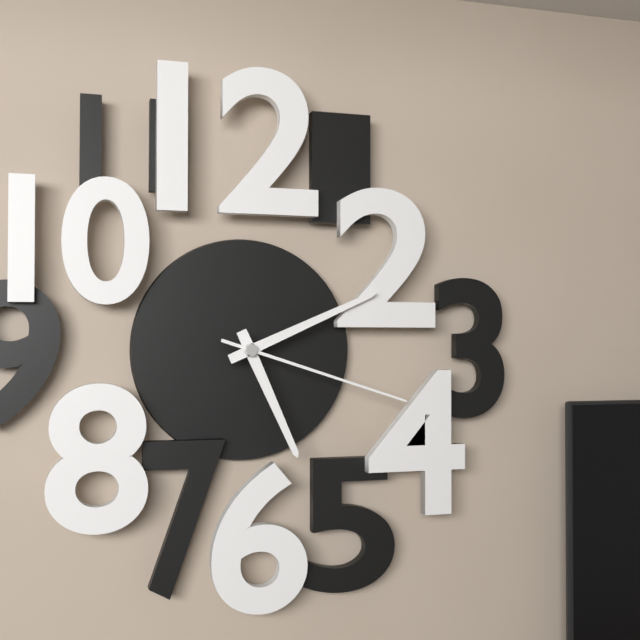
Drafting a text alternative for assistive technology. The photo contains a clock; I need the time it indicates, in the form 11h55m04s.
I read 5h11m18s
